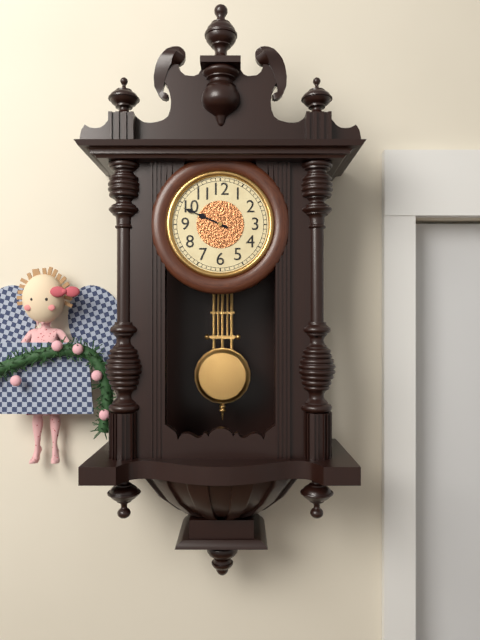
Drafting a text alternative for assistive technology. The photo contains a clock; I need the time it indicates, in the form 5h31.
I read 9h49
